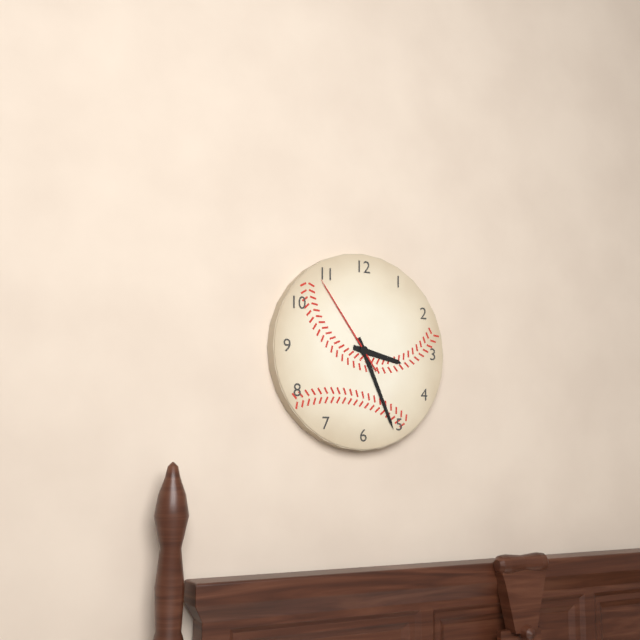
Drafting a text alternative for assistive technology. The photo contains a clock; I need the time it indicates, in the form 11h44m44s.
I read 3h26m54s
